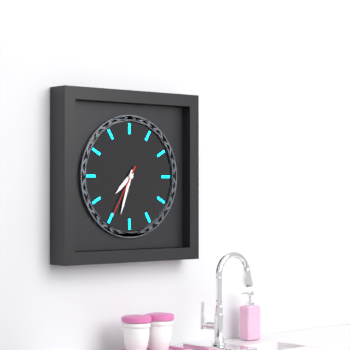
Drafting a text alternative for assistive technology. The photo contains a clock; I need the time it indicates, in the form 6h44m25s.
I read 7h33m35s
